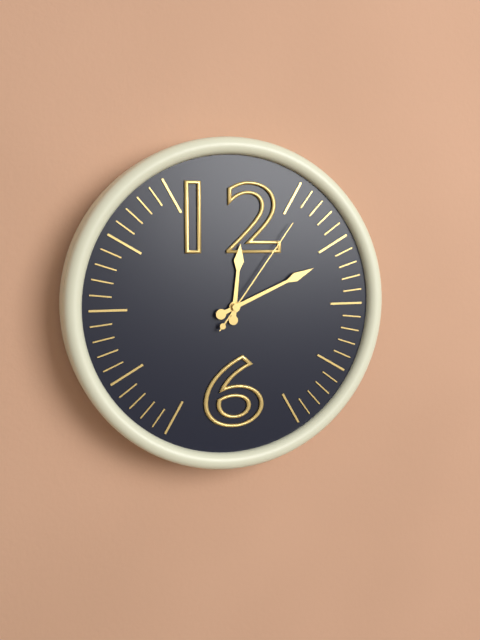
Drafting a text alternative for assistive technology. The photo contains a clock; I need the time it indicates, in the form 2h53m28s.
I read 12h11m06s
